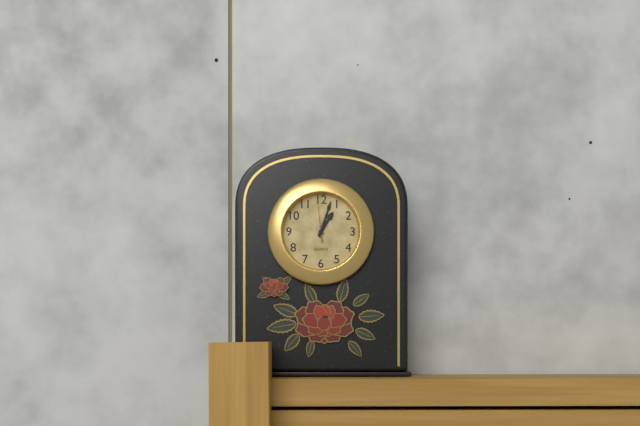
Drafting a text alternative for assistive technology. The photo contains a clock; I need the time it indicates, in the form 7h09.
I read 1h03
